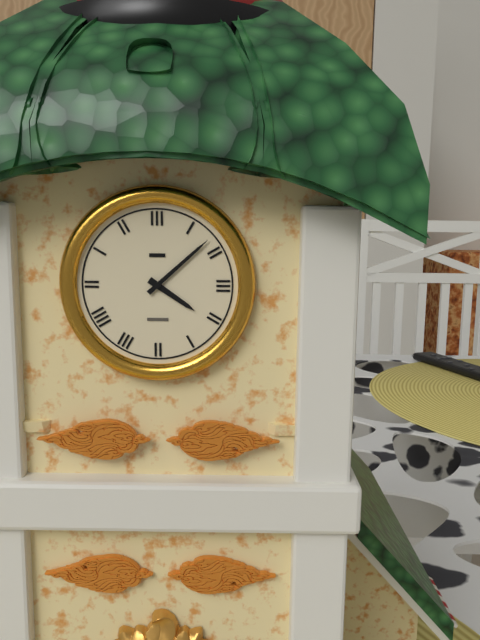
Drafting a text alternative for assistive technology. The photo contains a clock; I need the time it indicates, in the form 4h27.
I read 4h08
